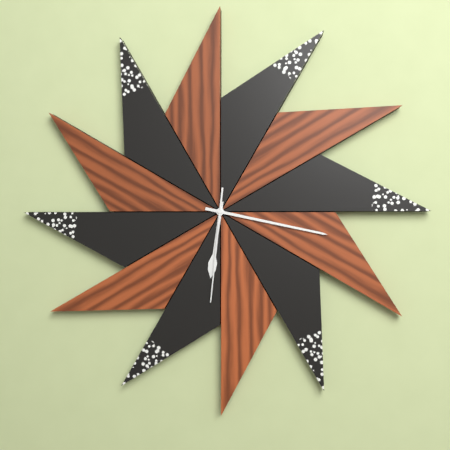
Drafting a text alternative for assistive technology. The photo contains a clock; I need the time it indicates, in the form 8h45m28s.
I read 6h17m31s
